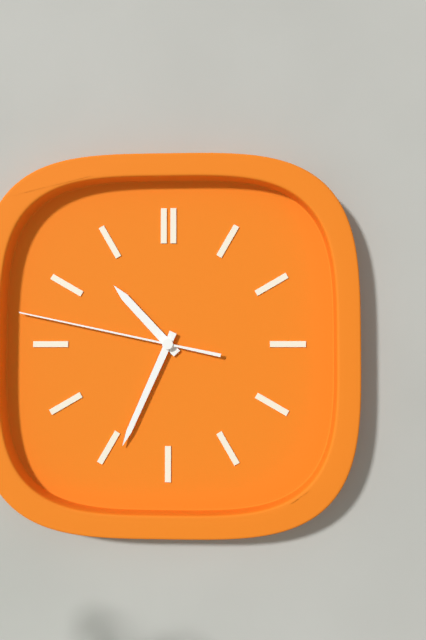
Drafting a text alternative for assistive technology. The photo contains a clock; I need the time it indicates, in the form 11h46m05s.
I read 10h34m47s
